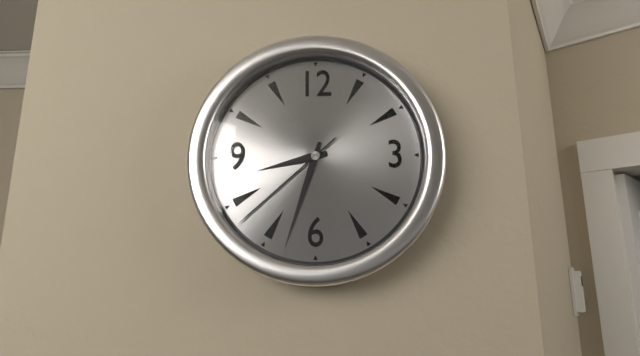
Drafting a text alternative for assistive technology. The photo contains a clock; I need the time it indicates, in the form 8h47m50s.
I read 8h33m38s
